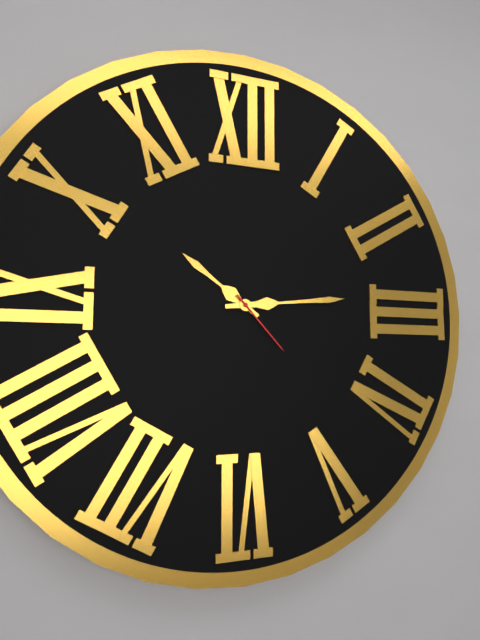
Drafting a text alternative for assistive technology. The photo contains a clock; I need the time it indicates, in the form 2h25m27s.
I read 10h14m23s
